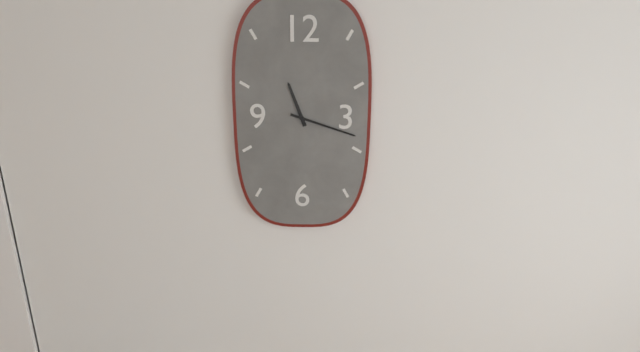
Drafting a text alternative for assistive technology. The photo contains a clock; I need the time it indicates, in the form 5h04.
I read 11h18
